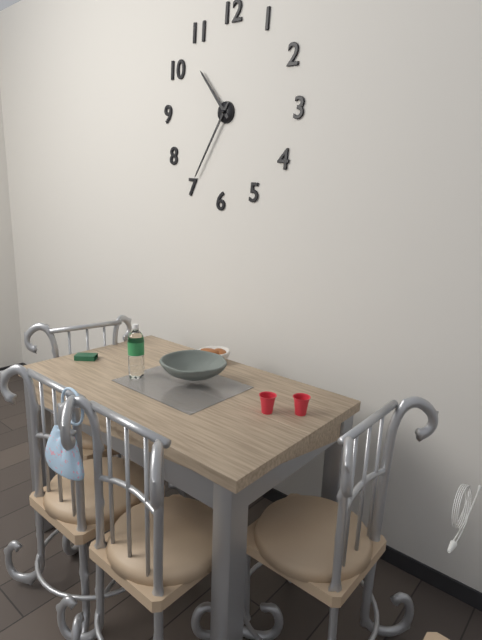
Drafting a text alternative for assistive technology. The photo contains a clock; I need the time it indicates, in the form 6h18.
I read 10h35
